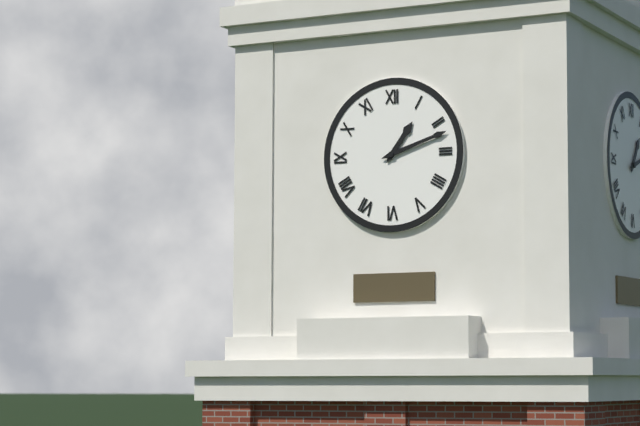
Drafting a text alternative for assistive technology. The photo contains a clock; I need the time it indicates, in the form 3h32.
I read 1h12
